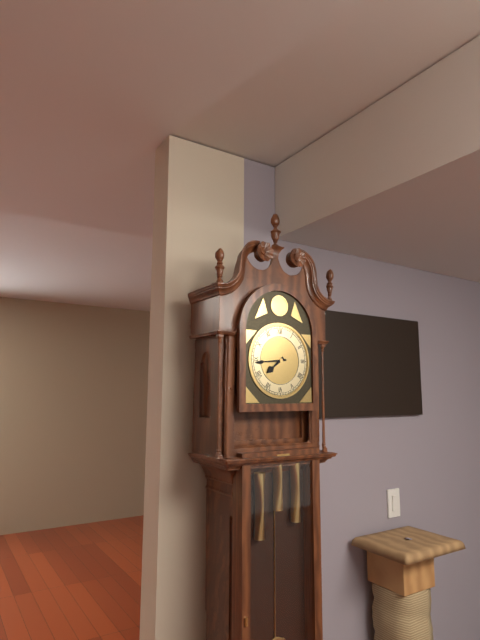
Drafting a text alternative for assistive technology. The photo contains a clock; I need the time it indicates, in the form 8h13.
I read 7h44
